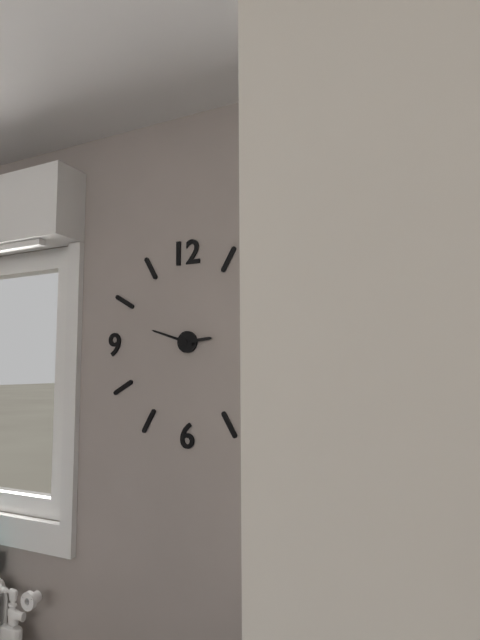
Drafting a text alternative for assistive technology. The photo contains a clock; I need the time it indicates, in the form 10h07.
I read 2h48
